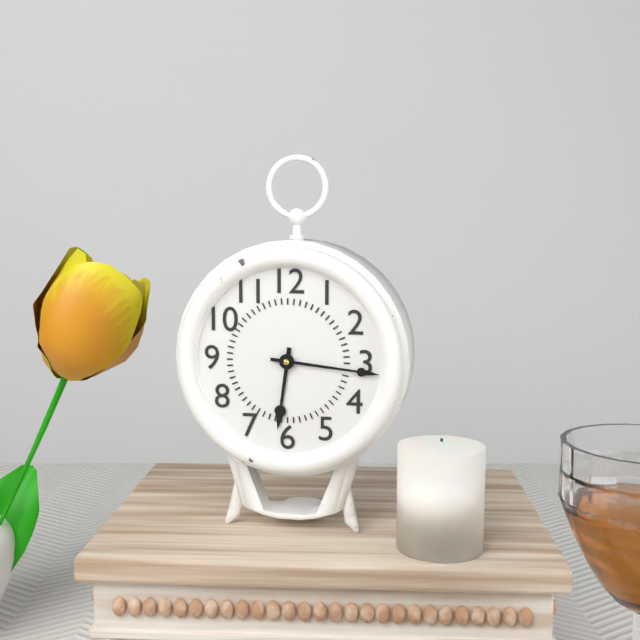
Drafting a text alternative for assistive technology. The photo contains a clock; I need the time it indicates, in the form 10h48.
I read 6h16
